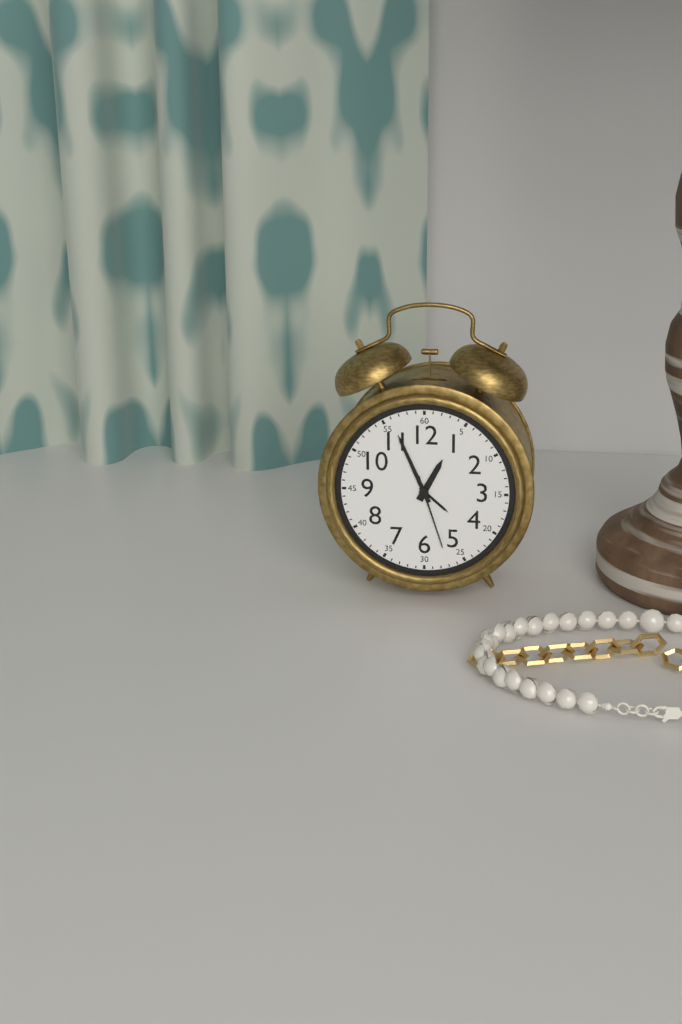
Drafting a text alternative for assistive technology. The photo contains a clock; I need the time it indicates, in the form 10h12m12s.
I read 12h56m27s
